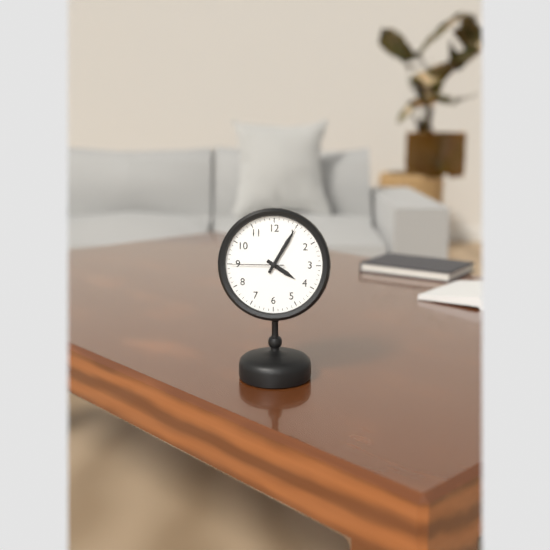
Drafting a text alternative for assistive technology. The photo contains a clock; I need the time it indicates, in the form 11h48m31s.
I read 4h05m45s
